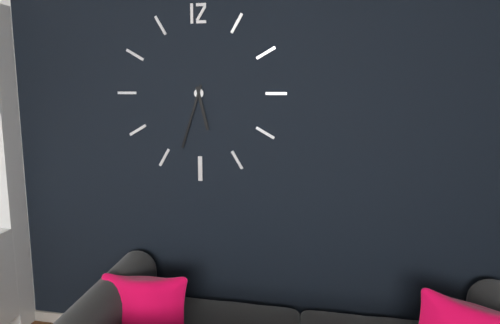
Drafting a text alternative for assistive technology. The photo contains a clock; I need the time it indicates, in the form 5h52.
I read 5h33
